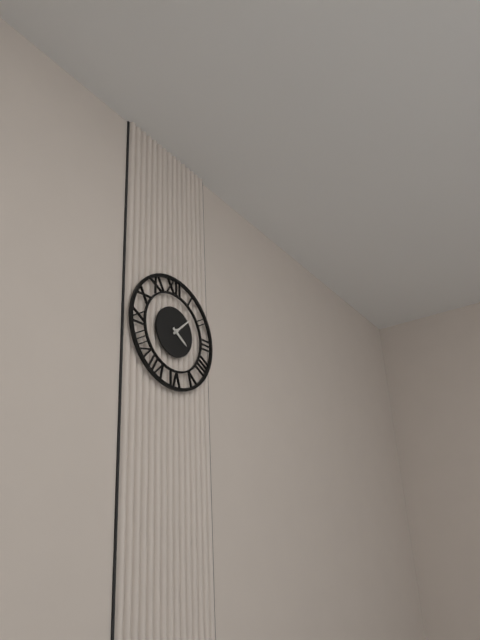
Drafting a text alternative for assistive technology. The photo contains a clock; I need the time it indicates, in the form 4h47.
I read 4h08
